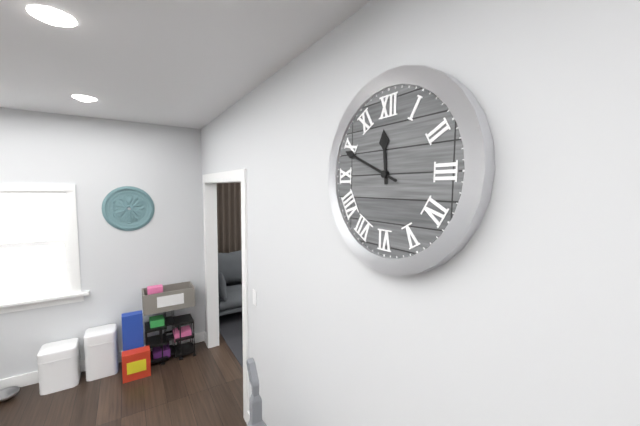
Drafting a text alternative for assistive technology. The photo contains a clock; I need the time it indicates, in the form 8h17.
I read 11h49
